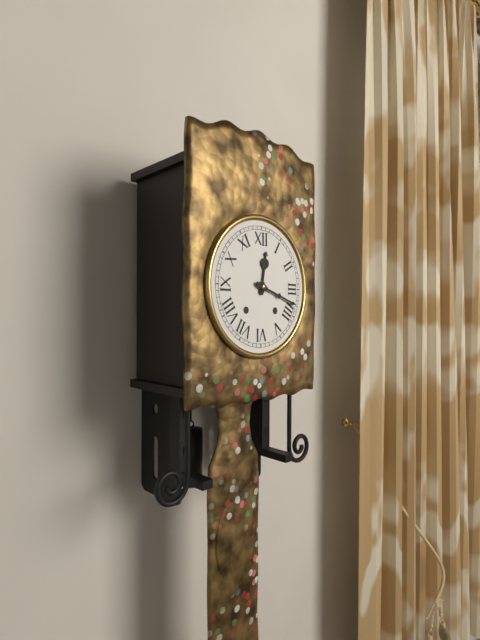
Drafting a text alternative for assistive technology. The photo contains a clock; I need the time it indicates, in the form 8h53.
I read 12h18
